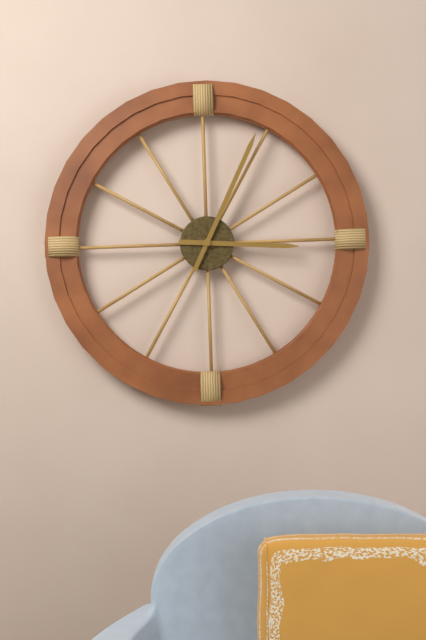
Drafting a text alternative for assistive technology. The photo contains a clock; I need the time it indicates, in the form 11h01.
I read 3h04
